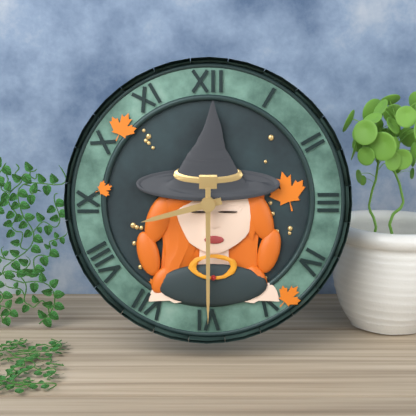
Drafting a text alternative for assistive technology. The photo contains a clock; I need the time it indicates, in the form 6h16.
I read 8h30
